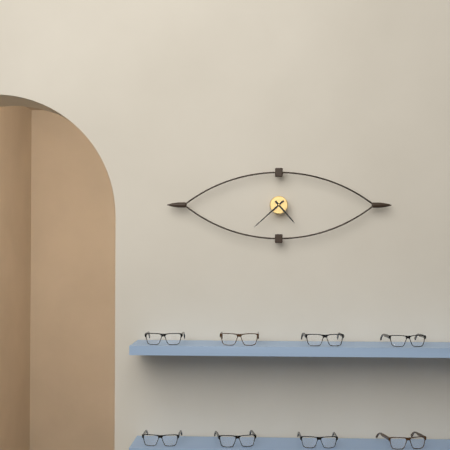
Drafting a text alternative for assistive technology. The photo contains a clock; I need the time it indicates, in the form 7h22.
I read 4h38
